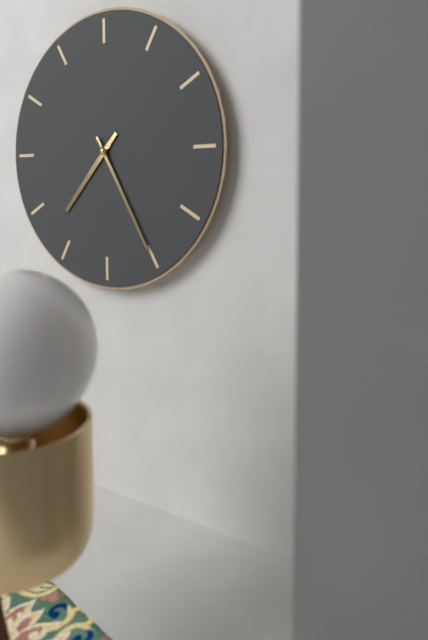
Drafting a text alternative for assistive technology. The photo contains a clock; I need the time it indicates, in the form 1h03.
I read 7h25
